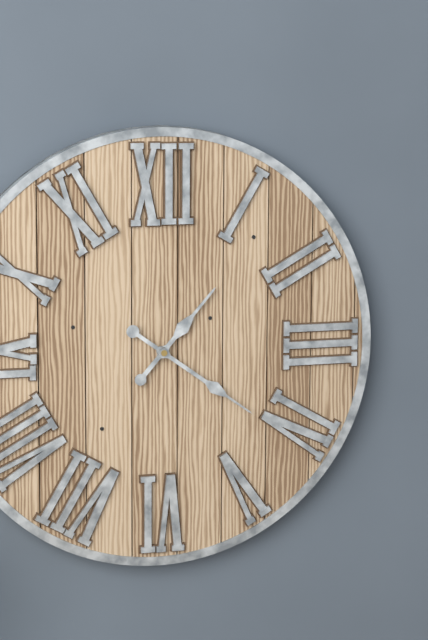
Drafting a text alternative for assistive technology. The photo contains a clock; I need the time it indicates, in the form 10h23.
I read 1h21
